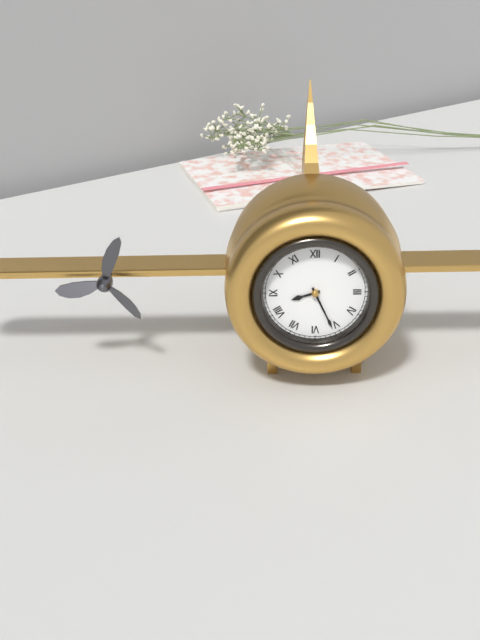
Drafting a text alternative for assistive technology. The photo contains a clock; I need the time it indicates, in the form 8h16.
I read 8h26
